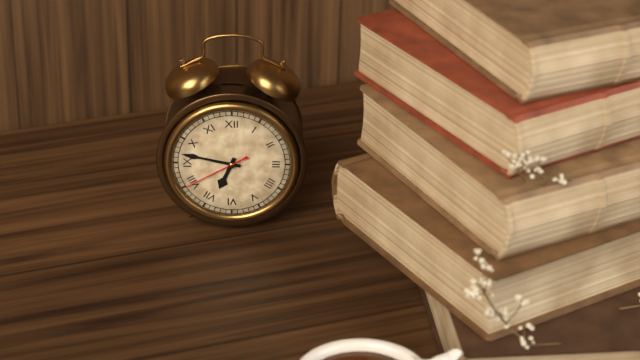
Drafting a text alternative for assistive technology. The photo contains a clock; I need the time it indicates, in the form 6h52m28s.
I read 6h47m40s
